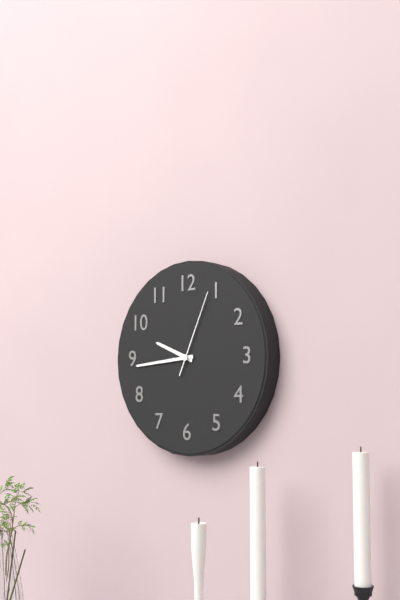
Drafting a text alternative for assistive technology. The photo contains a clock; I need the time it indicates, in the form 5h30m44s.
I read 9h44m04s
